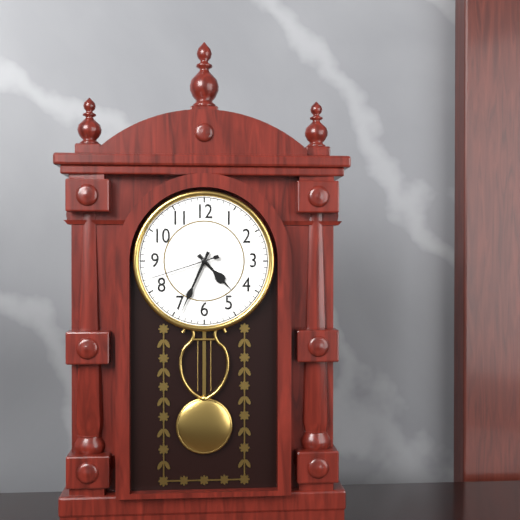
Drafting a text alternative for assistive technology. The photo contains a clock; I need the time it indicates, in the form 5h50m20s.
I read 4h34m42s
